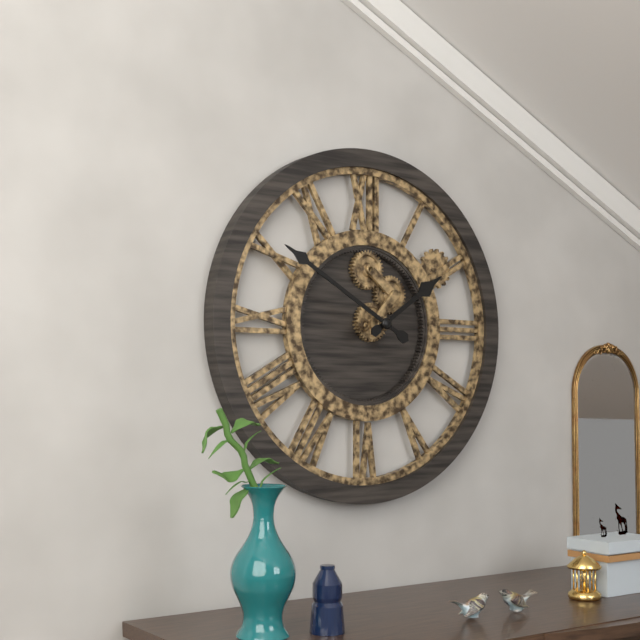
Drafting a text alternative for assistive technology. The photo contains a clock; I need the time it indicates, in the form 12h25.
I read 1h50
